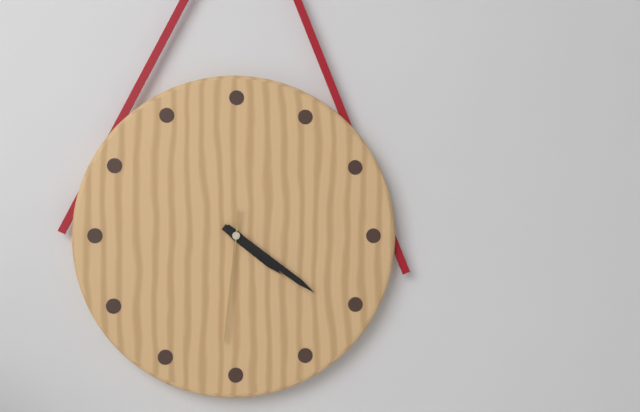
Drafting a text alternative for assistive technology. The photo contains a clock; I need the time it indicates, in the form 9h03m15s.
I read 4h21m31s
